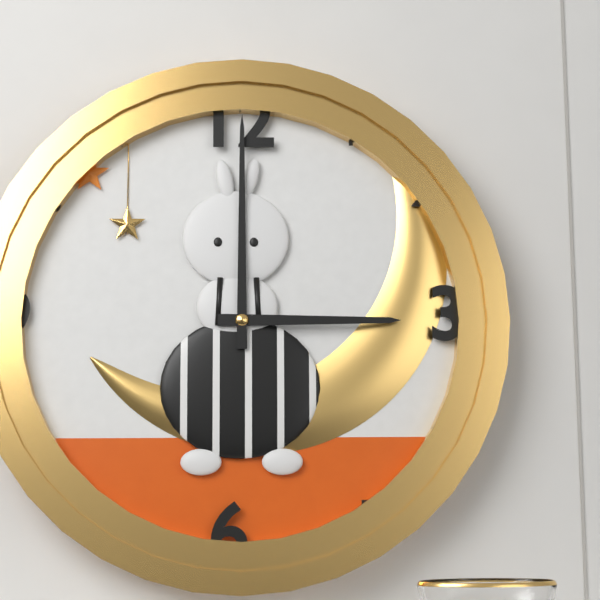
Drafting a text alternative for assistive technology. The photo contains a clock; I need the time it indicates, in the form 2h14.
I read 3h00
